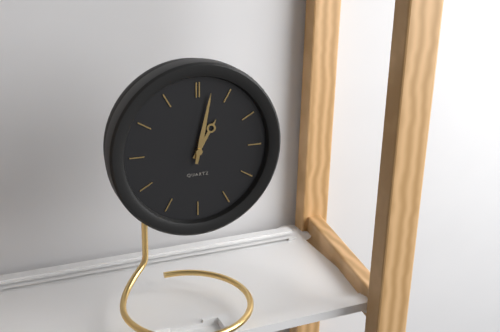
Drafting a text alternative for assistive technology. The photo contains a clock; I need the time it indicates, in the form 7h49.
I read 1h02
